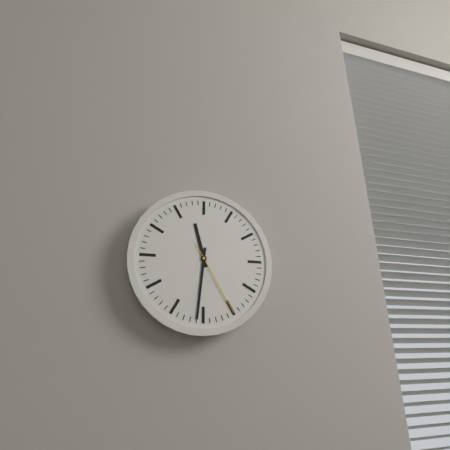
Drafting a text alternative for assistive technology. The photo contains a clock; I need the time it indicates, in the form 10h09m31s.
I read 11h31m25s
